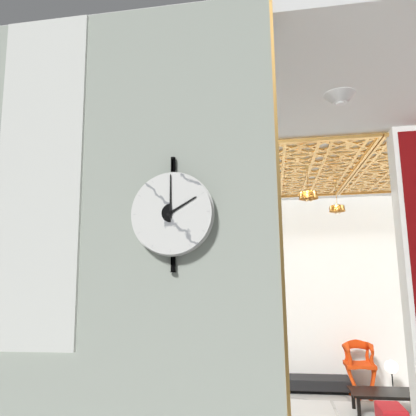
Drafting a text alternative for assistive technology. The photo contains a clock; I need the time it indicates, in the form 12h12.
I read 2h00
